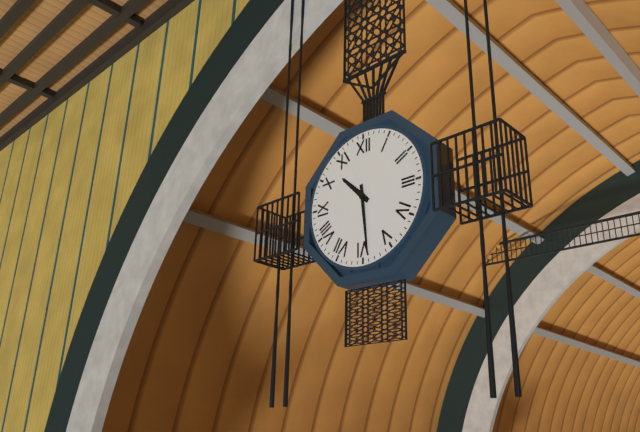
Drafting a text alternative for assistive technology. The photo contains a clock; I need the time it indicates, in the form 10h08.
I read 10h29
